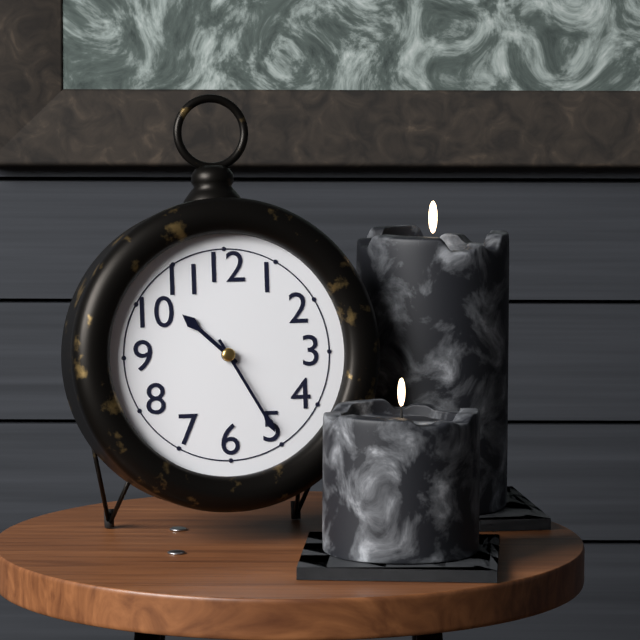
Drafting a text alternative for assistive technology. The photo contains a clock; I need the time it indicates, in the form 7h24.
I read 10h25
